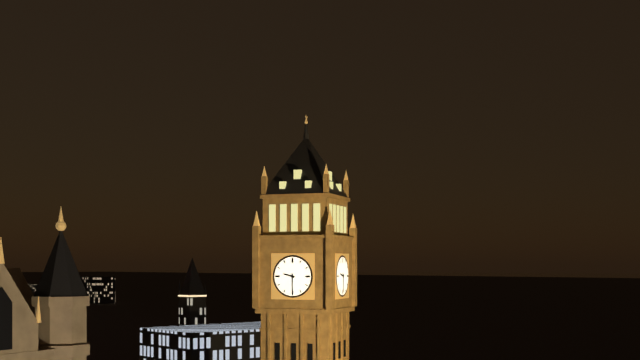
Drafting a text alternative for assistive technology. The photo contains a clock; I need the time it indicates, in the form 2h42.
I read 9h30
